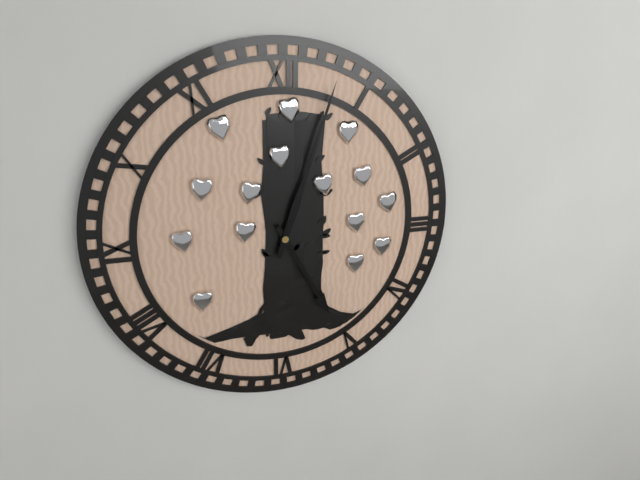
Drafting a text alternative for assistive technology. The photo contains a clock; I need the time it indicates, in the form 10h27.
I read 5h03
